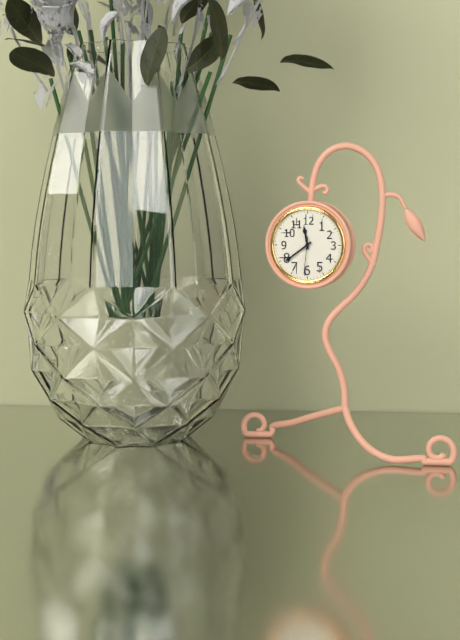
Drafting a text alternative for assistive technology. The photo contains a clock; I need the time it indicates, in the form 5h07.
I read 11h39
